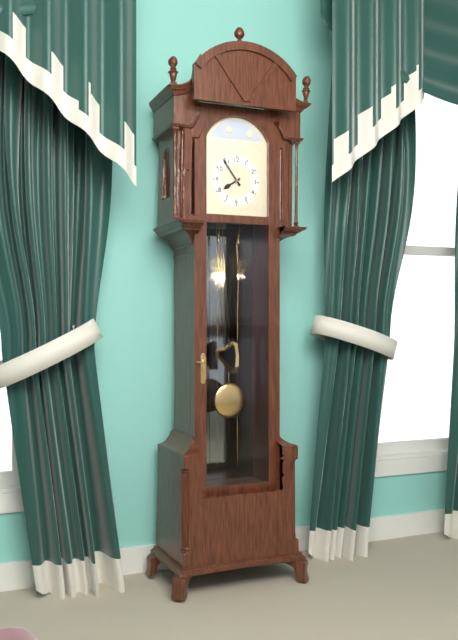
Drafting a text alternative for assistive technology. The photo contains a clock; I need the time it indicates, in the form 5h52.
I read 7h54
